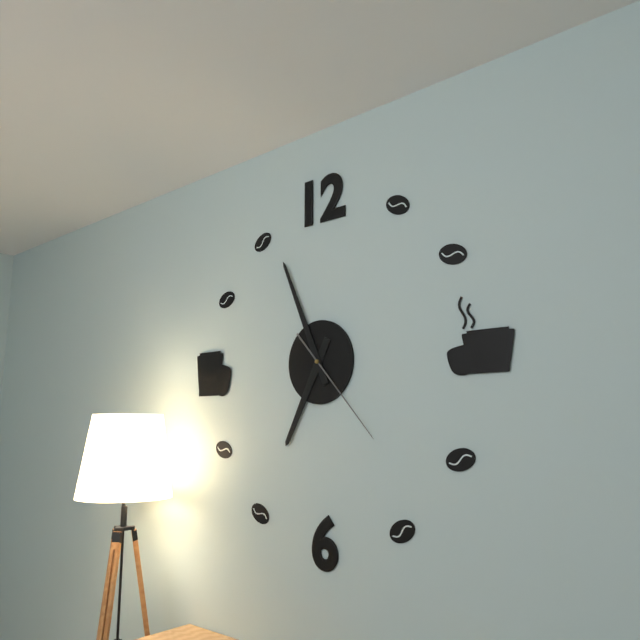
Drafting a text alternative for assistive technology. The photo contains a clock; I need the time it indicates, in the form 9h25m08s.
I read 6h56m23s
